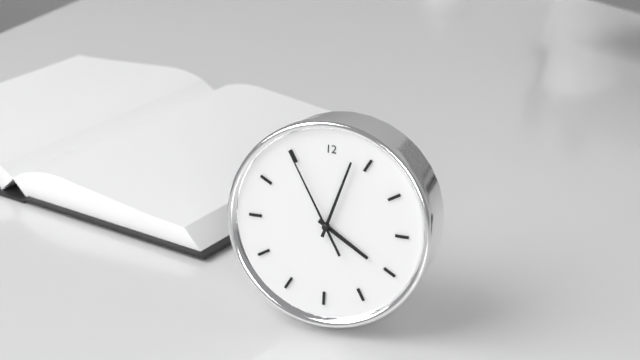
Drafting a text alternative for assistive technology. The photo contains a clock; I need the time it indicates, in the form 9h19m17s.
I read 4h03m55s
